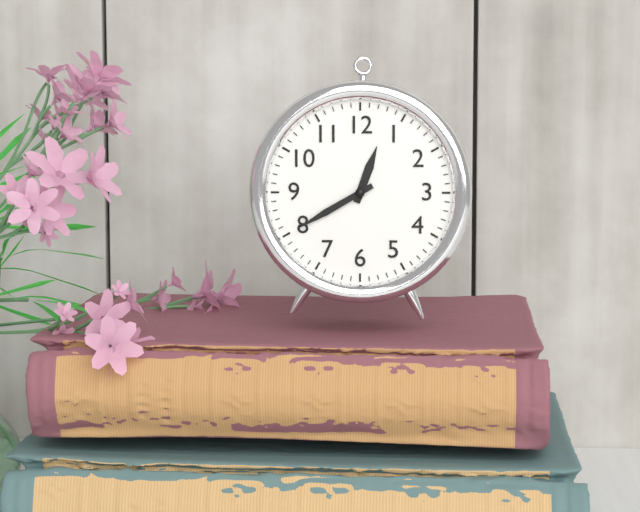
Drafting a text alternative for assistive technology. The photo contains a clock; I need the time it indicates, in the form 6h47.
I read 12h40
